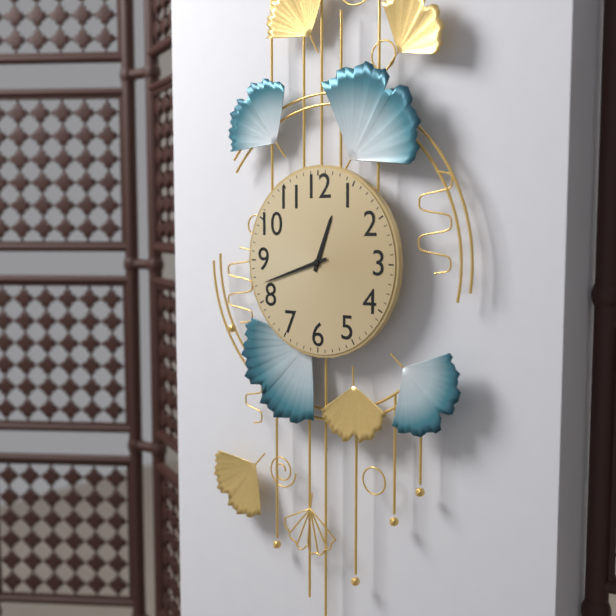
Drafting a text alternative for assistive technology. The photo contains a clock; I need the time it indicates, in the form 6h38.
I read 12h42
